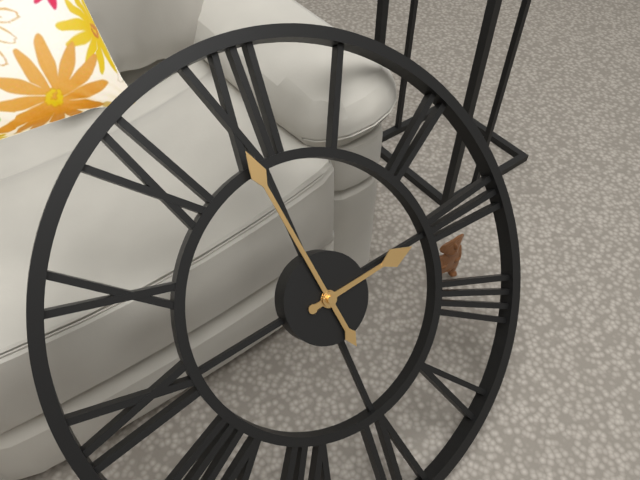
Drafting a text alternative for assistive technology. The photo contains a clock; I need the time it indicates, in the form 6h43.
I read 2h59
